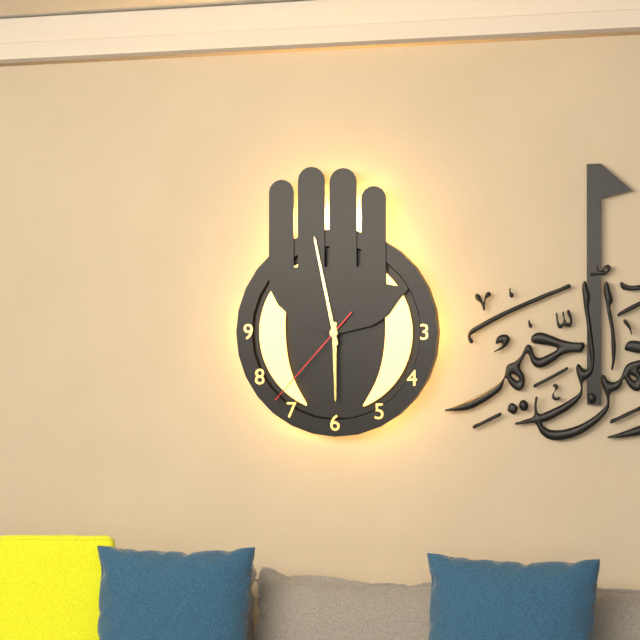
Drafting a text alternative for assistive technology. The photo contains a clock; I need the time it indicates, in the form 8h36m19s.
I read 5h58m37s
